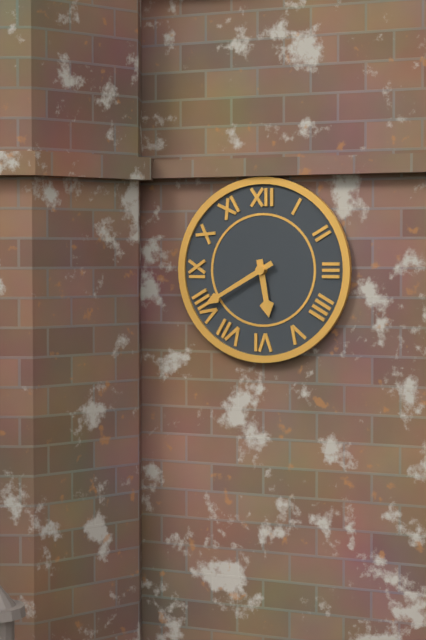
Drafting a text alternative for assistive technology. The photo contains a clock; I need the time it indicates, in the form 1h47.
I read 5h40
